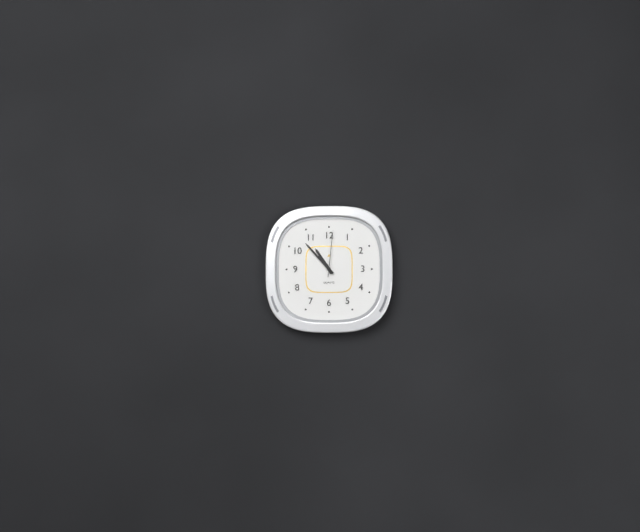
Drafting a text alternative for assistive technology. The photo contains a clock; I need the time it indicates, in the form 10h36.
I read 10h53
